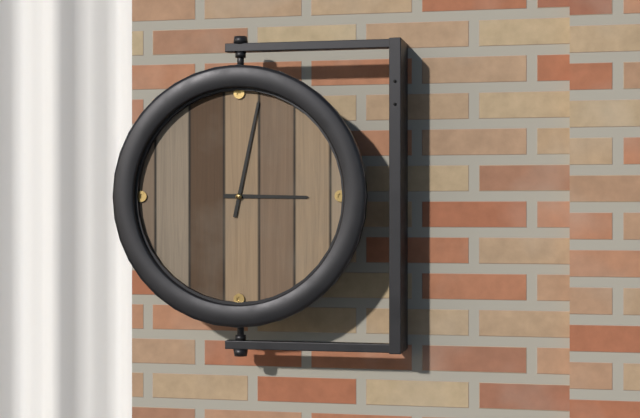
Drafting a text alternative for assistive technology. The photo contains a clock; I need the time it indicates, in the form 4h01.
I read 3h02
